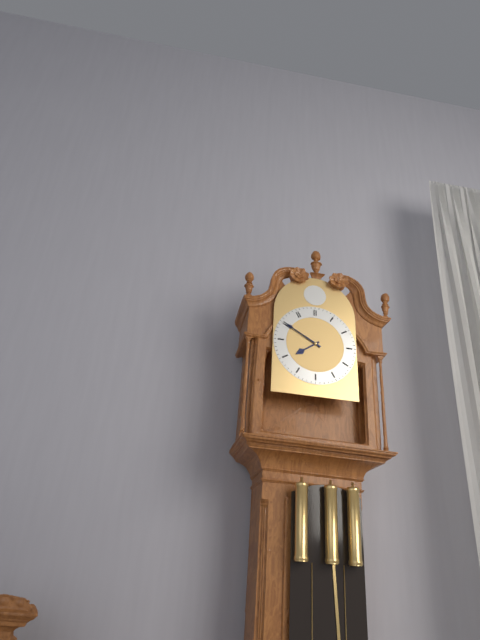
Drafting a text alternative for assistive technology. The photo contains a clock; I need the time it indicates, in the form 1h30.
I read 7h50
